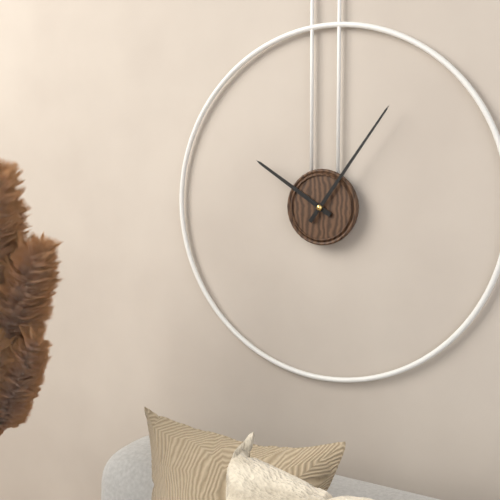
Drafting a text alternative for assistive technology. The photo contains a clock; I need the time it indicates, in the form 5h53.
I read 10h06
